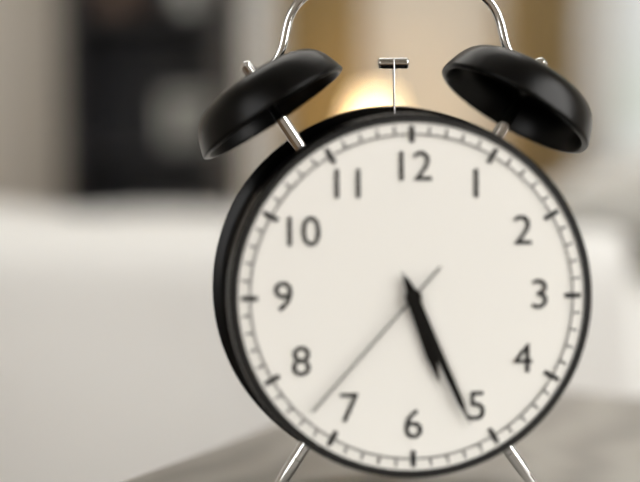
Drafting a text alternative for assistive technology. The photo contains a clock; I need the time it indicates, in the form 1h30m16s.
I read 5h26m37s
